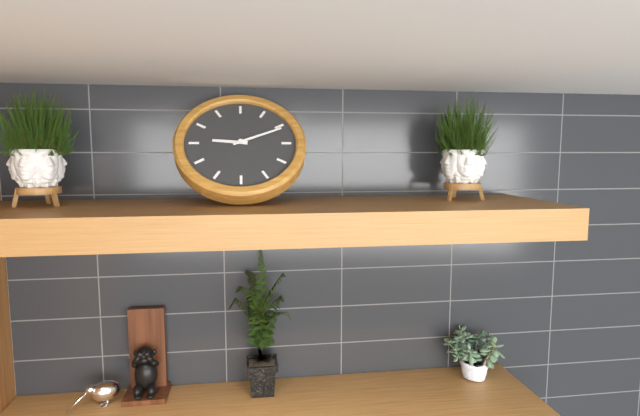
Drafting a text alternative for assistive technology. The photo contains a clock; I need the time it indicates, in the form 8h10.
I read 9h11
